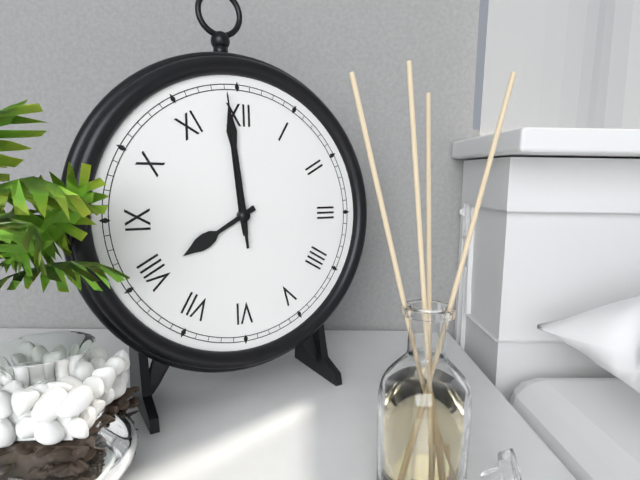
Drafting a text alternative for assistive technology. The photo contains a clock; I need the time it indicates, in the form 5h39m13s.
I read 7h59m59s
